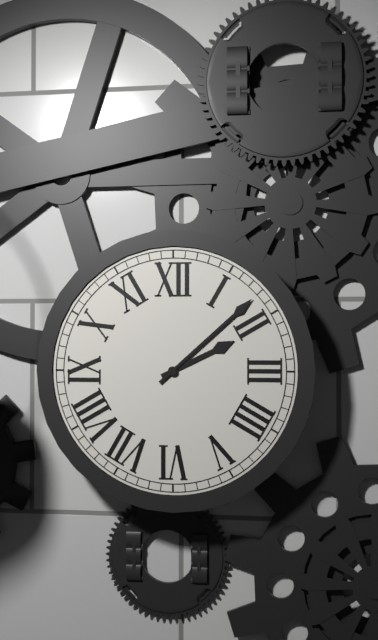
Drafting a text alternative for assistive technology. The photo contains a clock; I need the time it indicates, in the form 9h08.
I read 2h08
